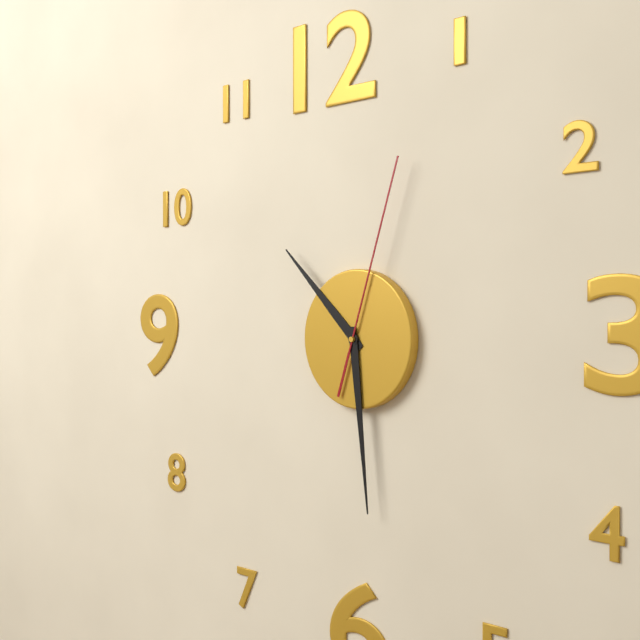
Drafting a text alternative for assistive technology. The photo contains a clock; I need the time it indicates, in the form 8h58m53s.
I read 10h29m03s
